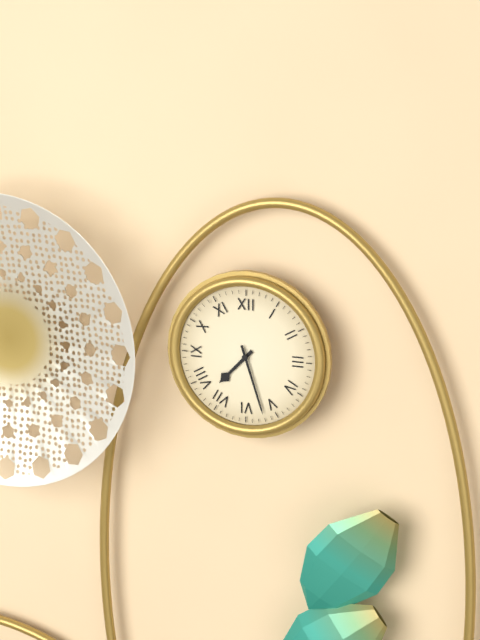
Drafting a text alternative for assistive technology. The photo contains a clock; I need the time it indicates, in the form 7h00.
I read 7h27
